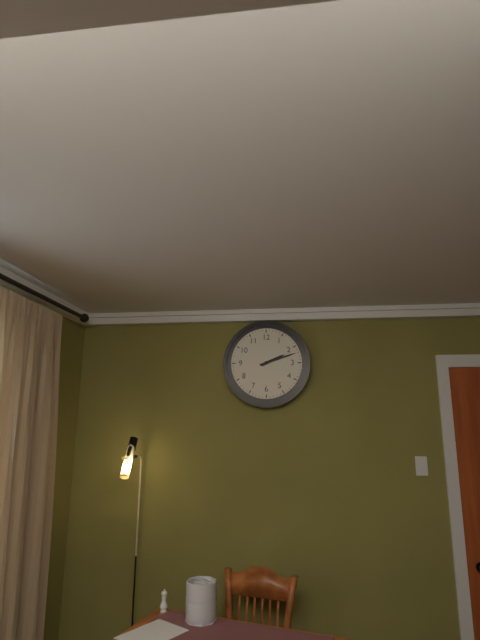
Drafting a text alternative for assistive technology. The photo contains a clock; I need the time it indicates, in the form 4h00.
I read 2h12
